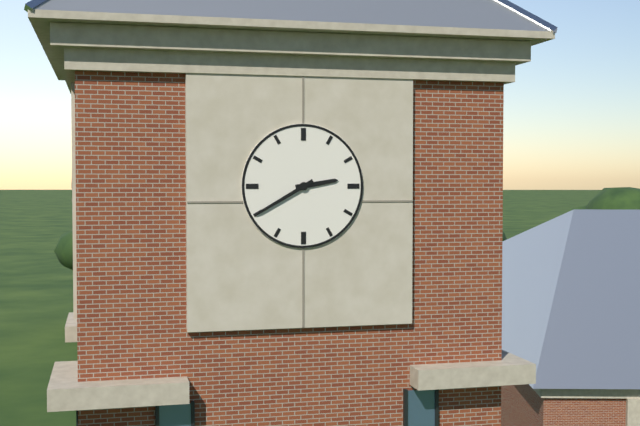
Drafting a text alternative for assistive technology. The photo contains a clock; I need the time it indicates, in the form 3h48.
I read 2h40
